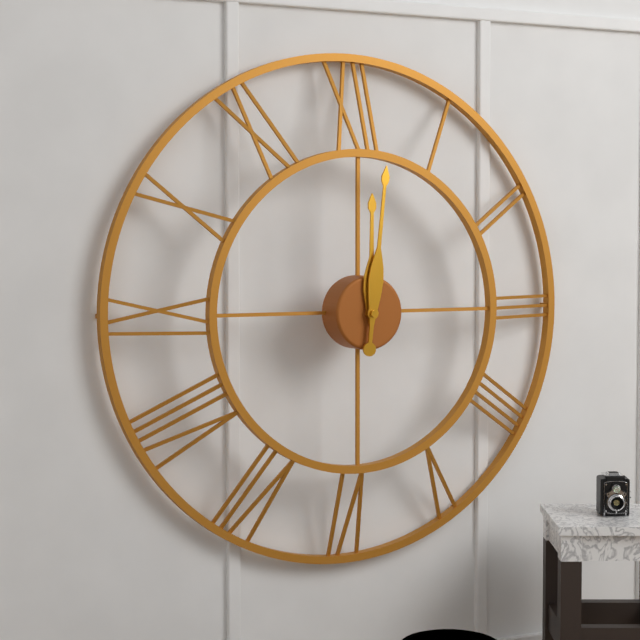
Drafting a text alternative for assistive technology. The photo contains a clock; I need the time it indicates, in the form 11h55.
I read 12h01
